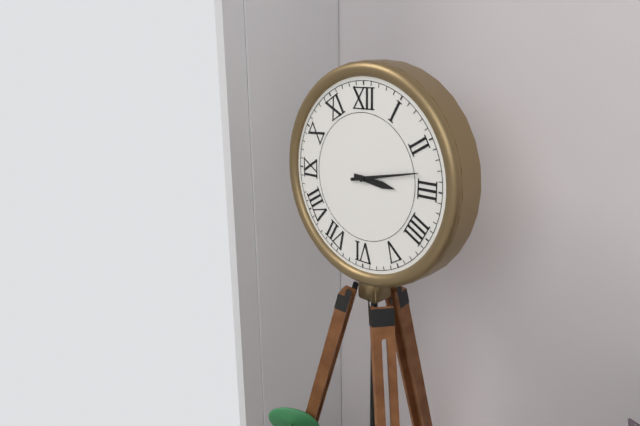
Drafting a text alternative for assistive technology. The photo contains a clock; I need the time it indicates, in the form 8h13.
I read 3h13
